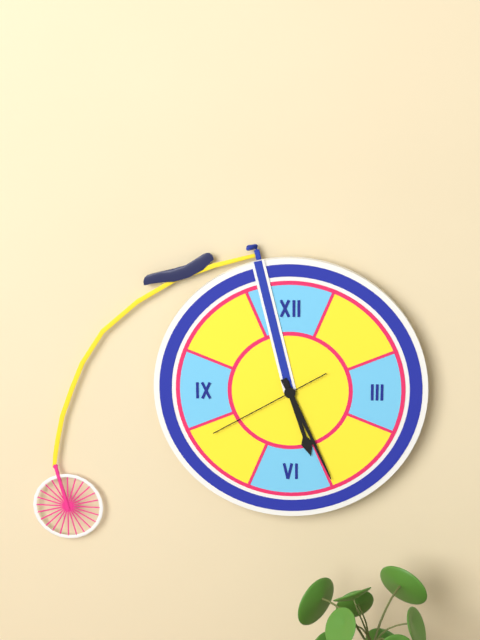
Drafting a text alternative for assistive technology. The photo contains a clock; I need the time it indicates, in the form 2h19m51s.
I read 5h26m40s
